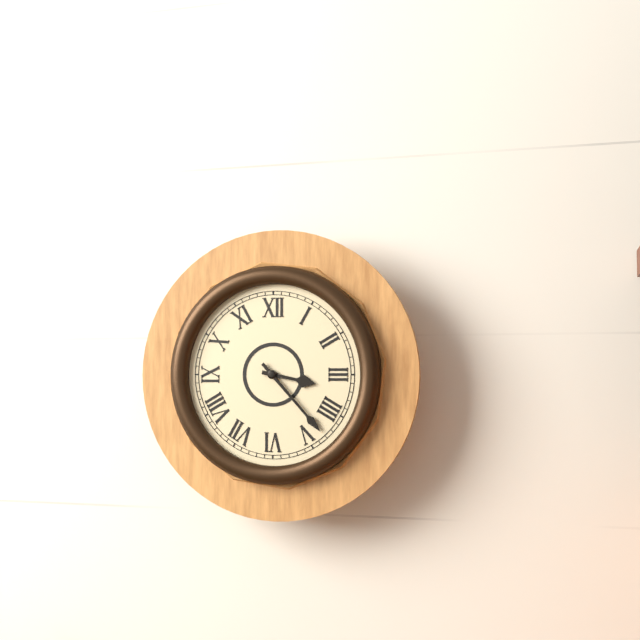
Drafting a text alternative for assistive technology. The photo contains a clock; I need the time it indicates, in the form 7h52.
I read 3h23
